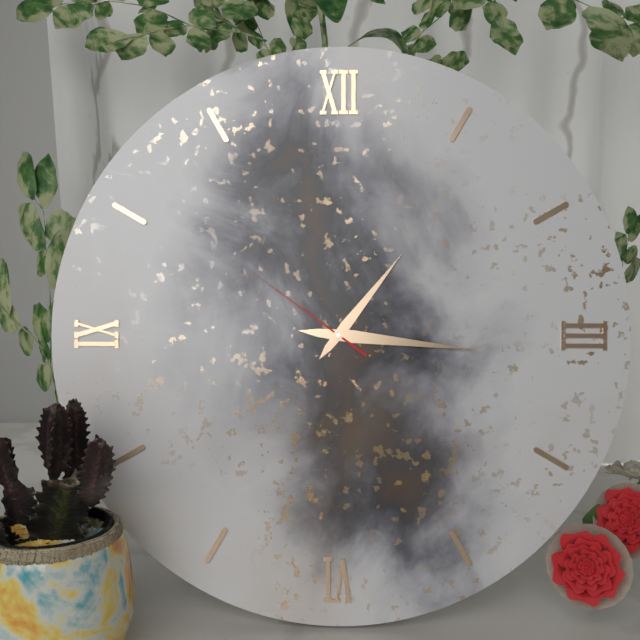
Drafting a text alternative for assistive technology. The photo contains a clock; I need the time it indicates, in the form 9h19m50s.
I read 1h16m51s
